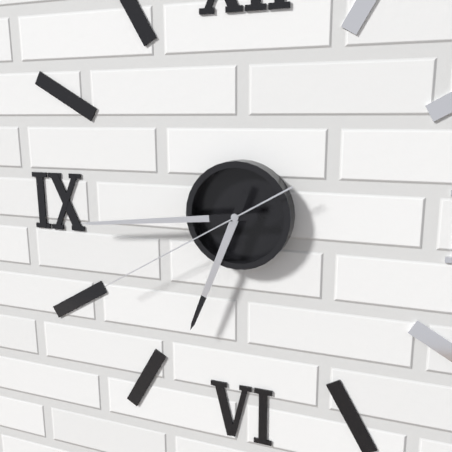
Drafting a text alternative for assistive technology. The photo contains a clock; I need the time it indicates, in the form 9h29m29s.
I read 6h44m40s
